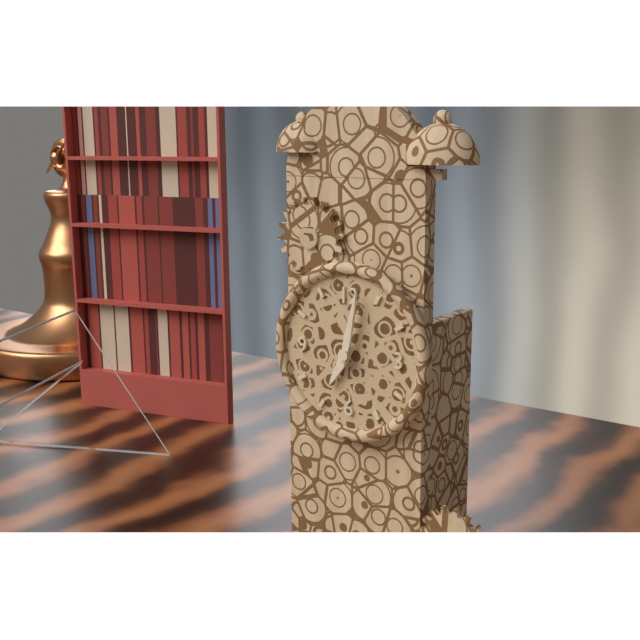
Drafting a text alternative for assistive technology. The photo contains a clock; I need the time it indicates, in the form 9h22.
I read 7h02
